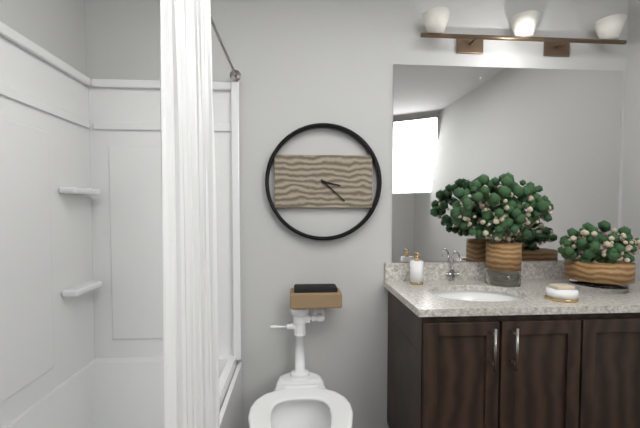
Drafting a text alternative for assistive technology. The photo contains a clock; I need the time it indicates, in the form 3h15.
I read 3h22
